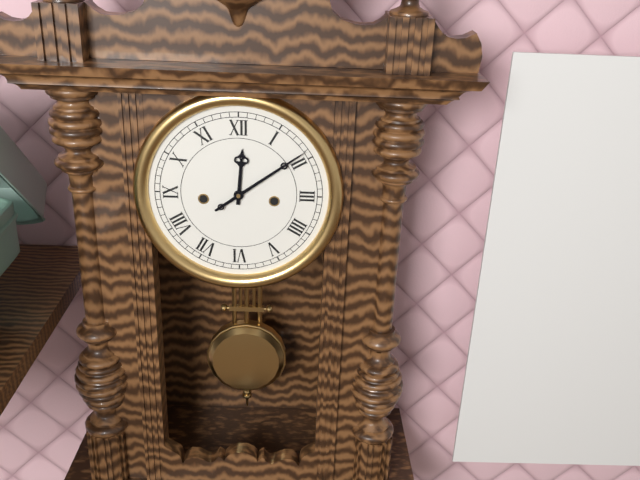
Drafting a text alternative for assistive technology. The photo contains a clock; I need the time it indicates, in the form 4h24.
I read 12h09
